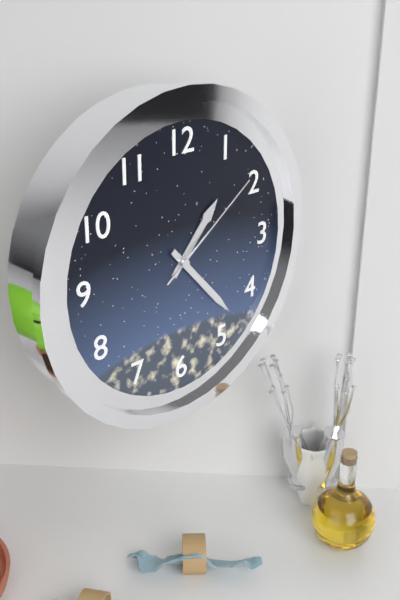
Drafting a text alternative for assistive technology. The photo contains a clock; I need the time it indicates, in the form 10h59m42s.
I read 1h23m09s
